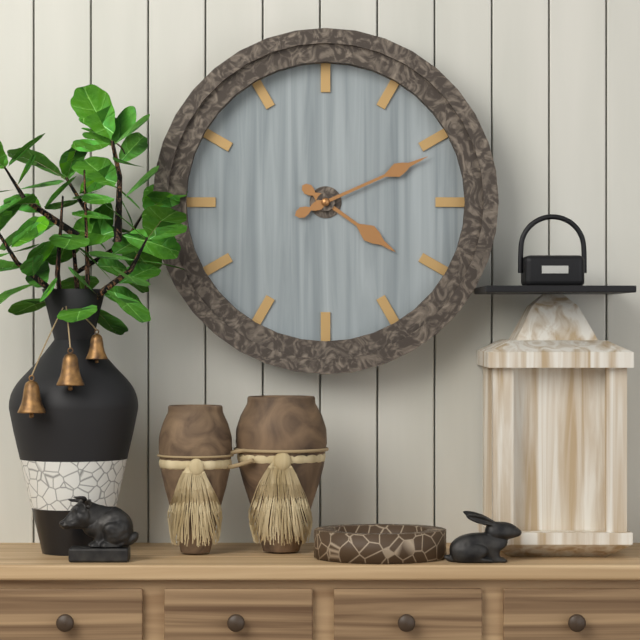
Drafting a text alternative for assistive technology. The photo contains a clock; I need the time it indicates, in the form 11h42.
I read 4h11
